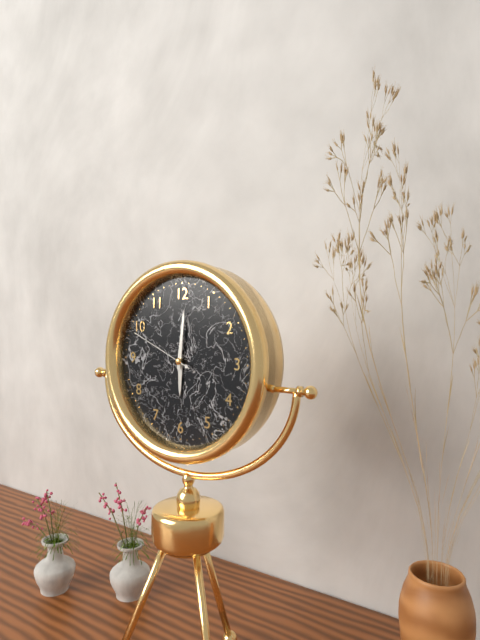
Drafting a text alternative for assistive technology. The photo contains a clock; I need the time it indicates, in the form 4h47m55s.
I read 6h01m49s
